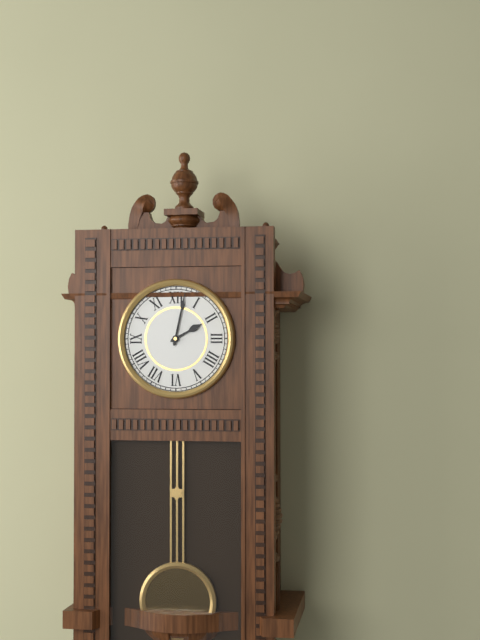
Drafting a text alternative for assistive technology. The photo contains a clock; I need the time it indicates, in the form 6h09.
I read 2h02
